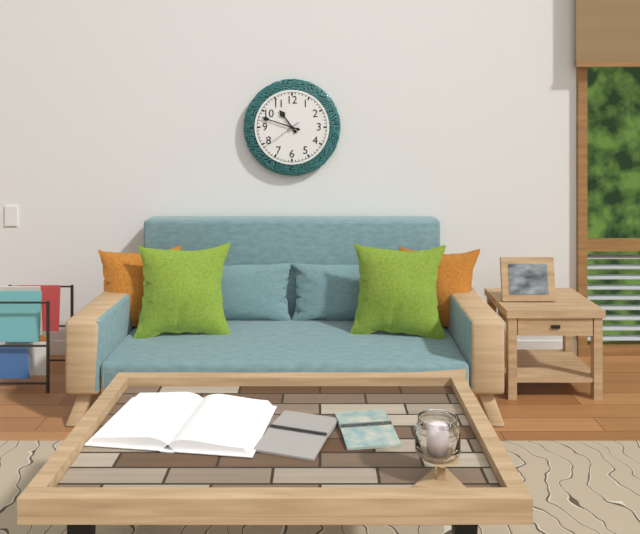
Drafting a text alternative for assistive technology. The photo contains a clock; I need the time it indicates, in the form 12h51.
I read 10h48
